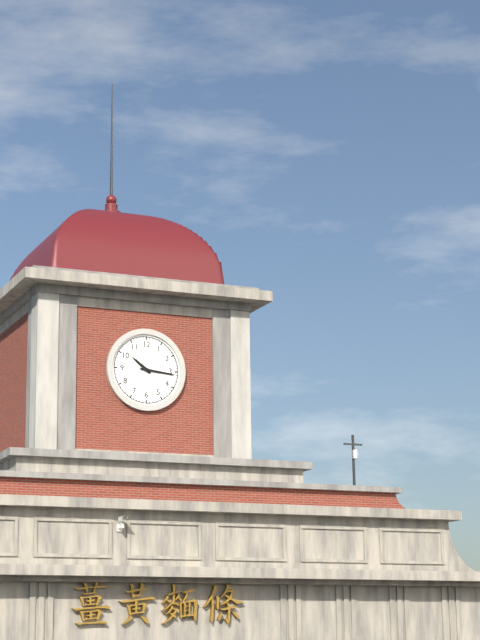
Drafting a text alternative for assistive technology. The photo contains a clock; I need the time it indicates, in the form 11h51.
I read 10h16
